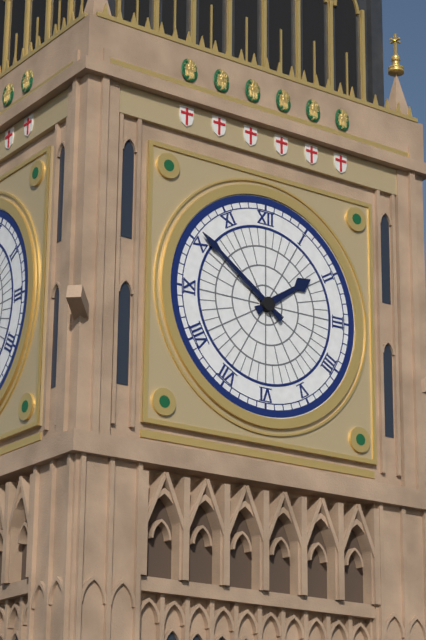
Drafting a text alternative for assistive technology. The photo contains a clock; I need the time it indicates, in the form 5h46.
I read 1h51
